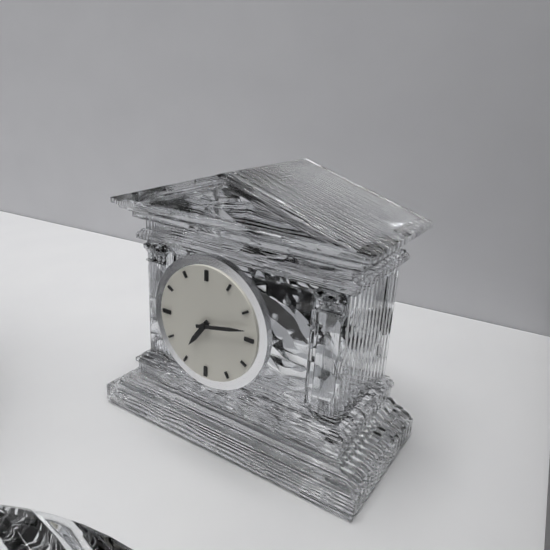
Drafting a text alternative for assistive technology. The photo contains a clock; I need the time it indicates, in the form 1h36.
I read 7h13
